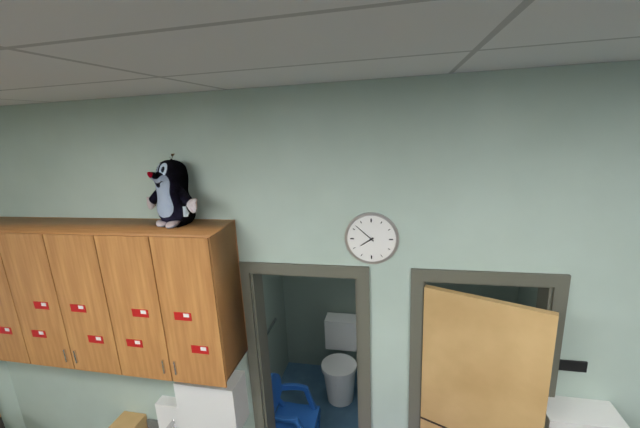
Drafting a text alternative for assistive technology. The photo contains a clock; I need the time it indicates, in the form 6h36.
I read 7h52
